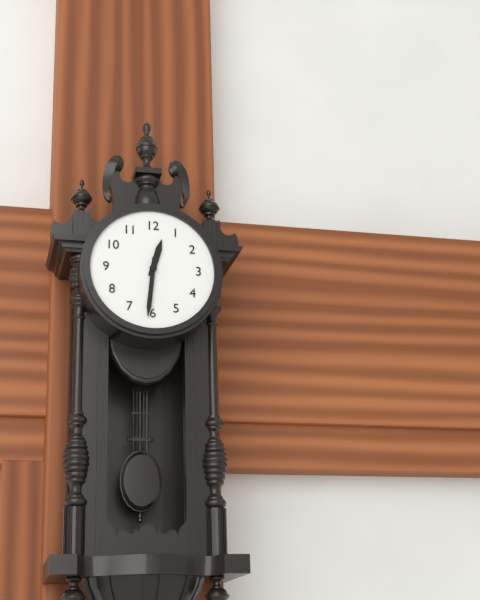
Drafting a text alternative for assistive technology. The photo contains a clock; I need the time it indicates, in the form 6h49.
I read 12h31
